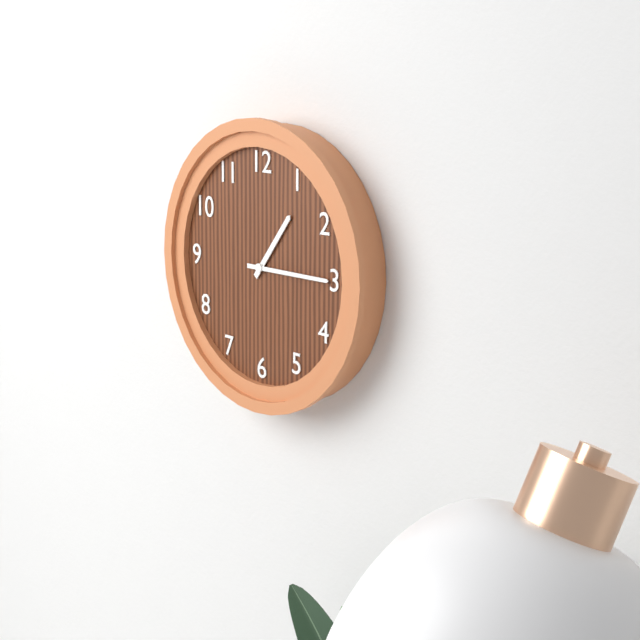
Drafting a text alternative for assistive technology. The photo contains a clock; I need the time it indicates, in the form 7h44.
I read 1h15
